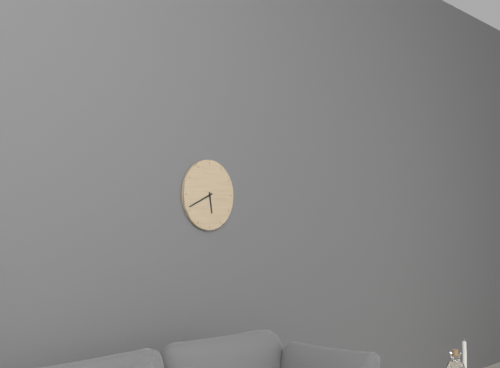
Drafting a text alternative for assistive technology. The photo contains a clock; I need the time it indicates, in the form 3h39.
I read 5h41
